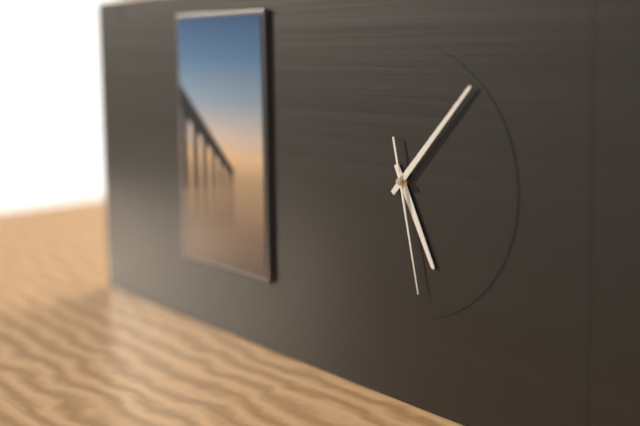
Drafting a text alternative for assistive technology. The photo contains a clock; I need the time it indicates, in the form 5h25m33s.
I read 5h07m28s
